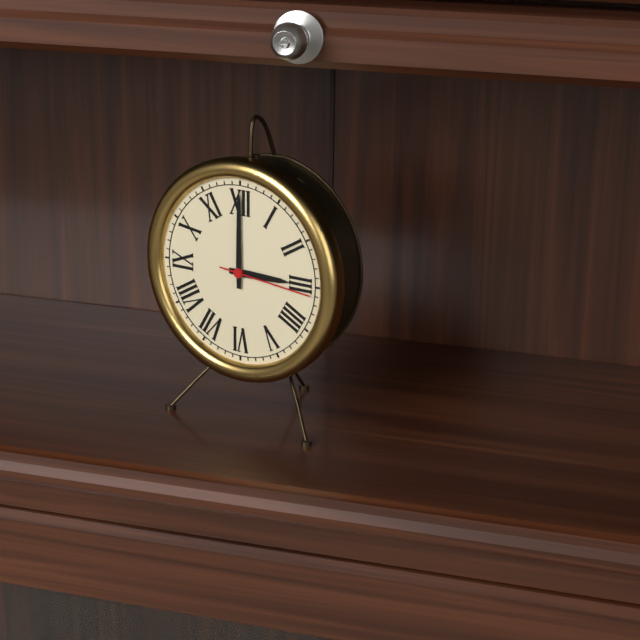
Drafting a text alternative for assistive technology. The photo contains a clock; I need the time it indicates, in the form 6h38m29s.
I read 3h00m16s
